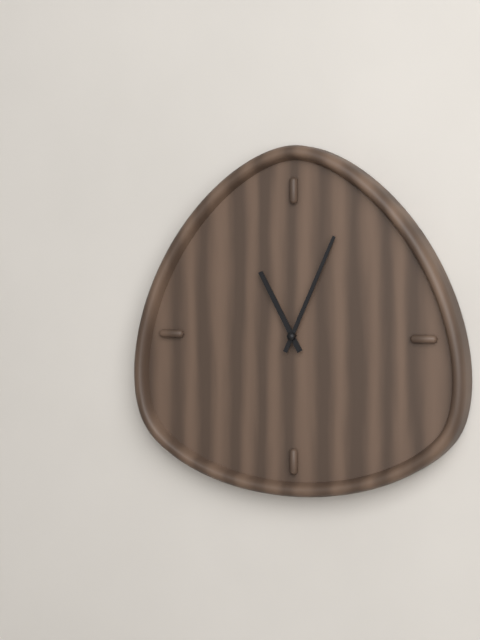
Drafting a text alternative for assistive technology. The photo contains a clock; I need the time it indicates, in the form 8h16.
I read 11h04
